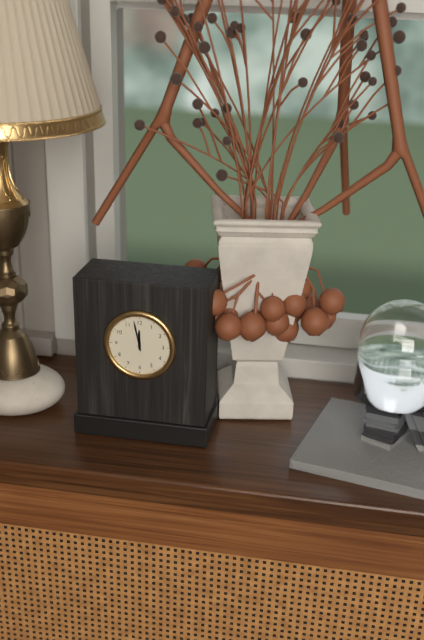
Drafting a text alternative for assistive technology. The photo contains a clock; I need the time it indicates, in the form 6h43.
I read 11h58
